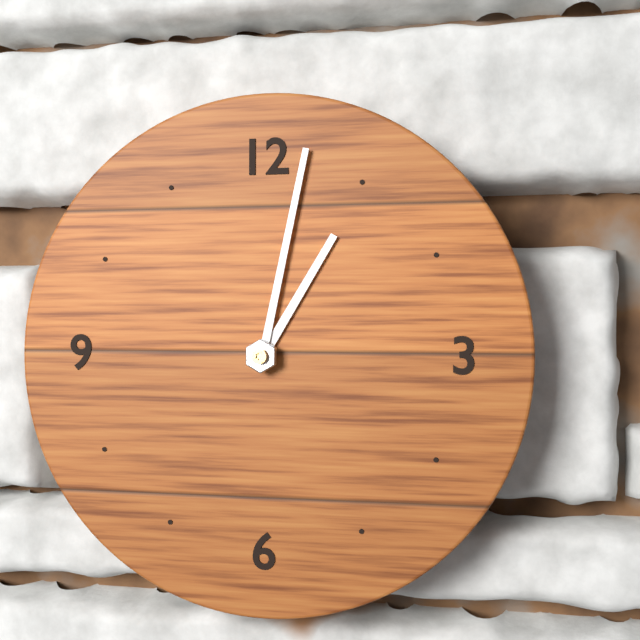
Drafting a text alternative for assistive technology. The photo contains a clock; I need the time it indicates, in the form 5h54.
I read 1h02
